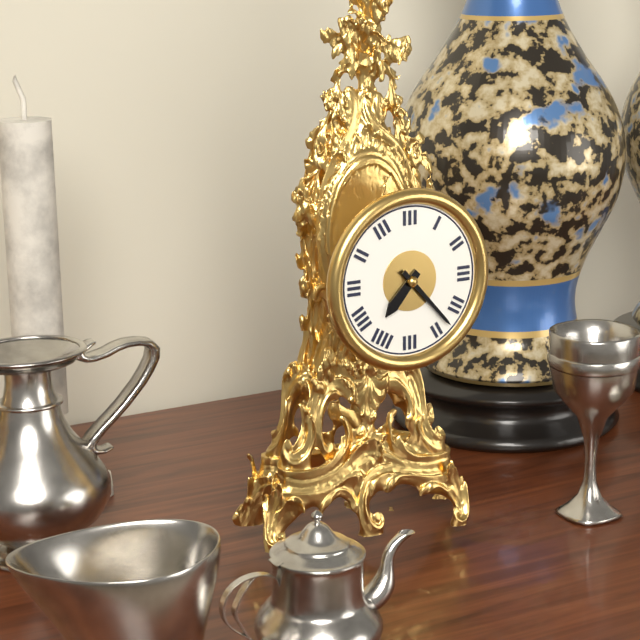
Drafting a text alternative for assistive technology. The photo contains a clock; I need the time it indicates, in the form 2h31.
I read 7h23
